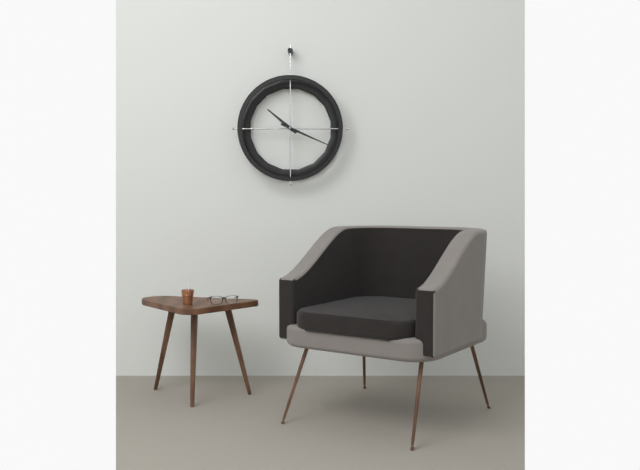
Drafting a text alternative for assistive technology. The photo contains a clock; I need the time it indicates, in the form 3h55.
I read 10h19
